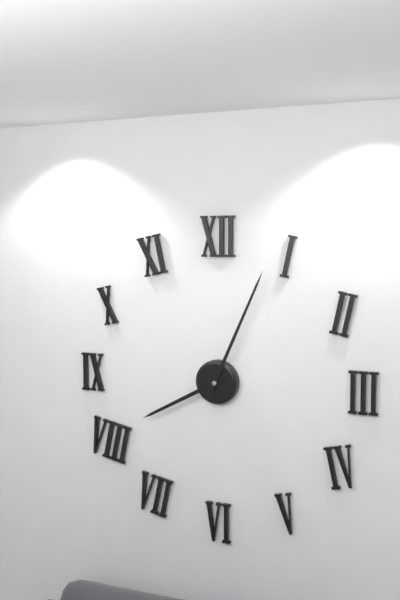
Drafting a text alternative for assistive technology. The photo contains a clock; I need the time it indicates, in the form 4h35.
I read 8h04
